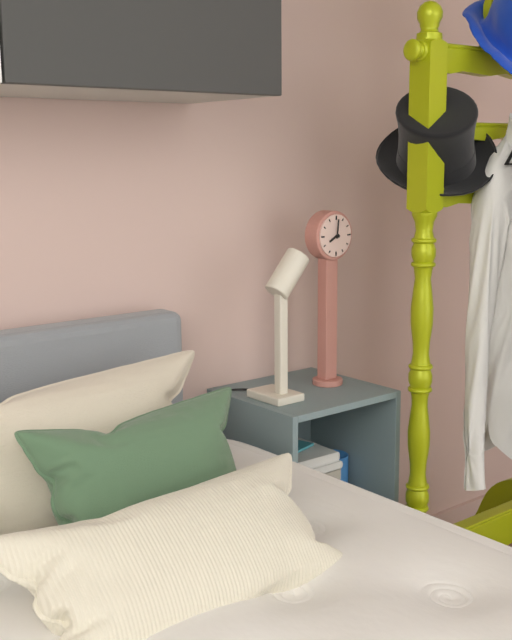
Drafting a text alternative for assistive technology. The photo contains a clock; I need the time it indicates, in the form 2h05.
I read 8h01
